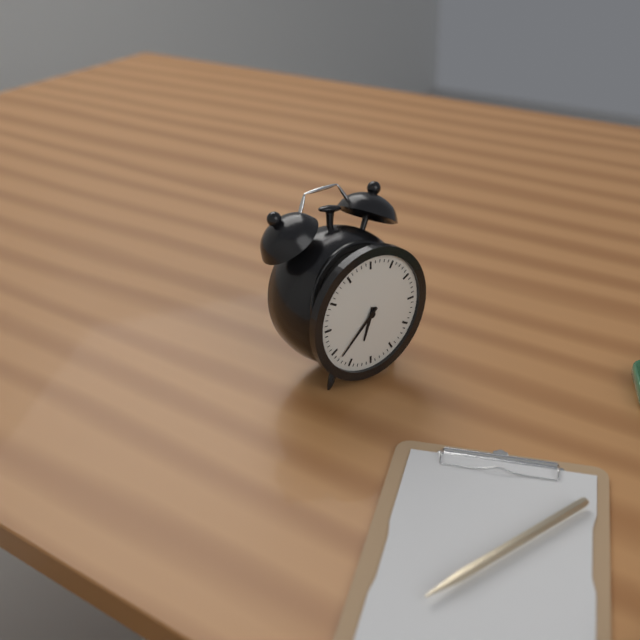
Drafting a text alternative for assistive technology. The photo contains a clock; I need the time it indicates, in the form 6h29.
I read 6h38
